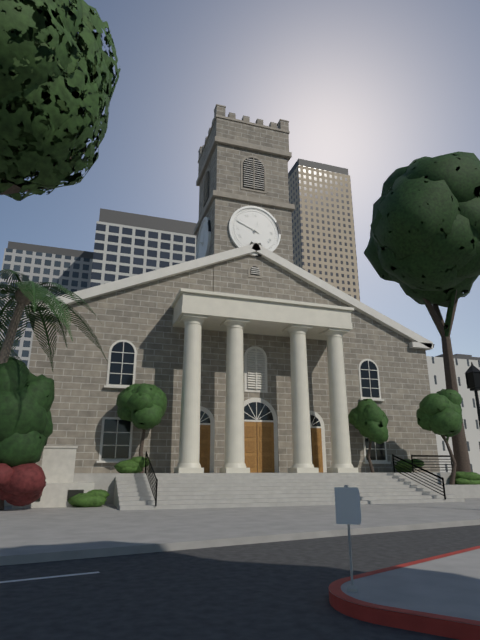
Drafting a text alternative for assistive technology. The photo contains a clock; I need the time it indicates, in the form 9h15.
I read 12h49
